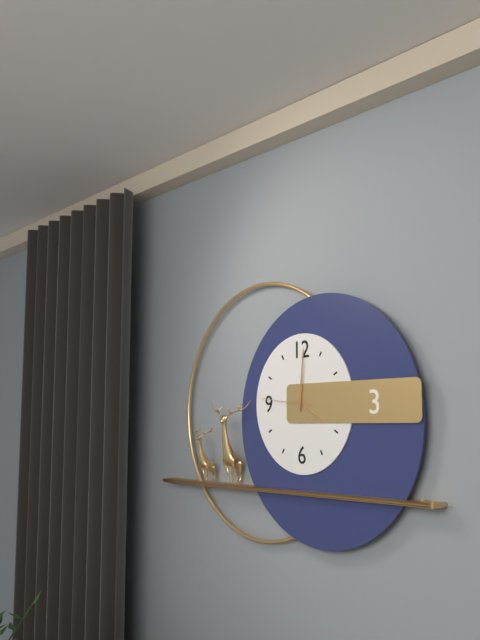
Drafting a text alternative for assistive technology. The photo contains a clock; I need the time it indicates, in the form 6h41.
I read 4h01
